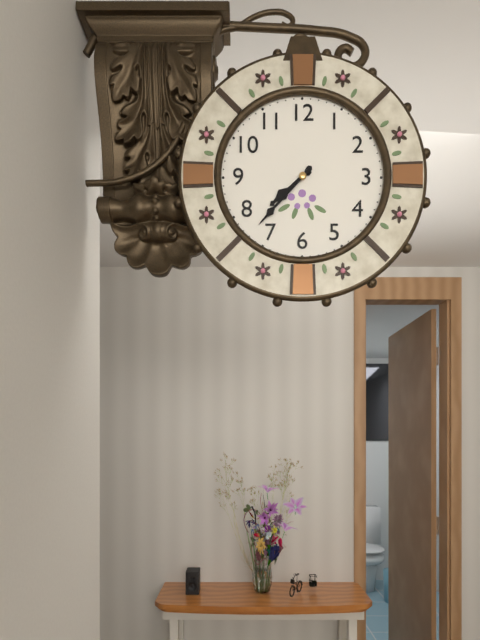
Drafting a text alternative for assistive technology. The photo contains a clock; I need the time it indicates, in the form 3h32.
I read 7h37
